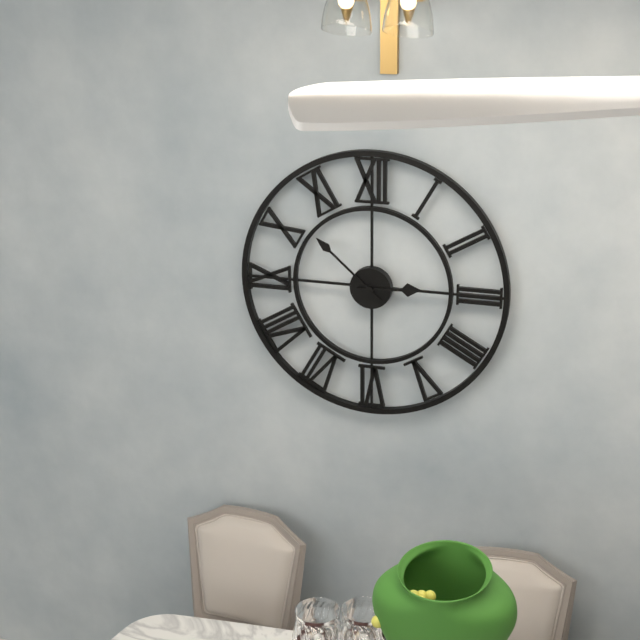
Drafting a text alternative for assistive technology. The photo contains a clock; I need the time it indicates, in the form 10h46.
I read 2h52
